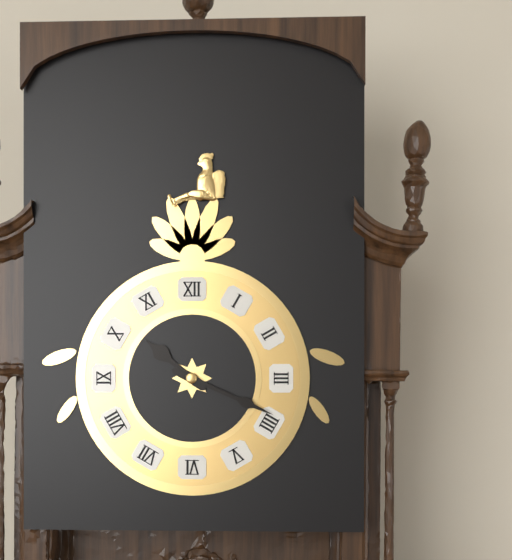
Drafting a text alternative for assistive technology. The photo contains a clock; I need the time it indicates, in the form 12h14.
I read 10h19
